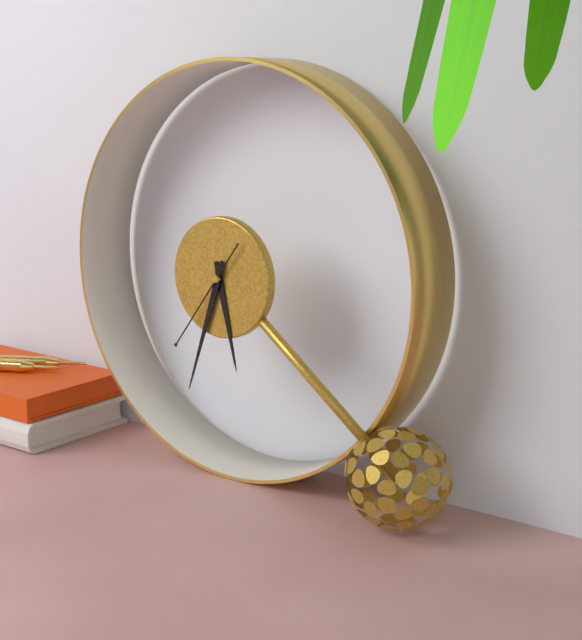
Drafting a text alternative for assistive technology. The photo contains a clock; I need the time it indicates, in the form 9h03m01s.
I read 5h33m36s
